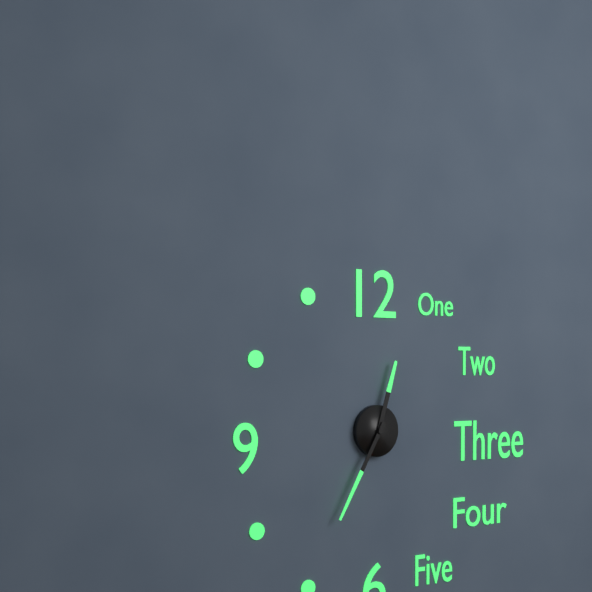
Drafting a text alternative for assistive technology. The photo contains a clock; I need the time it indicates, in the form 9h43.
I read 12h35
